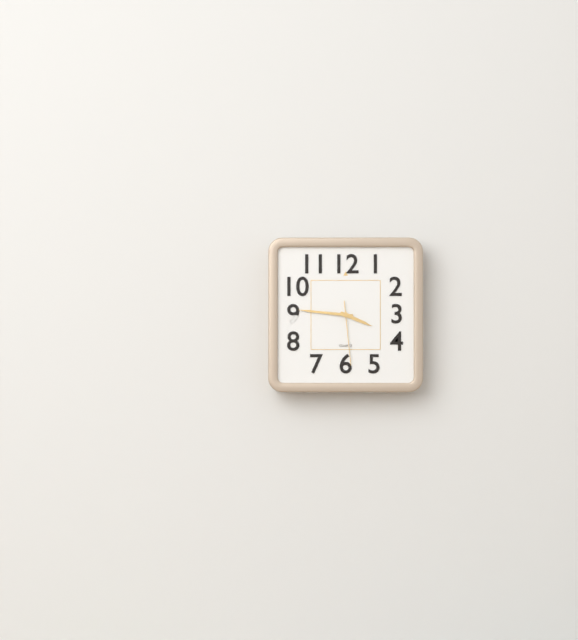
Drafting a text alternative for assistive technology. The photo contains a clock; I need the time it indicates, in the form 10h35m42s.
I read 3h46m29s
